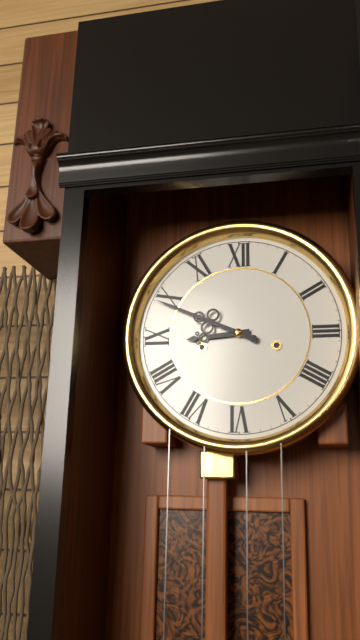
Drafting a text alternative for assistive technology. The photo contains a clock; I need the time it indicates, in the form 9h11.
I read 8h49
